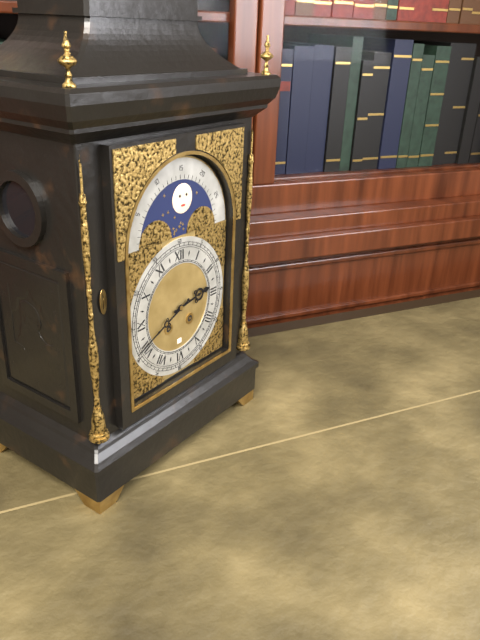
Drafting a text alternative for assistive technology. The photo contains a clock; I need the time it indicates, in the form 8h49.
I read 2h41
